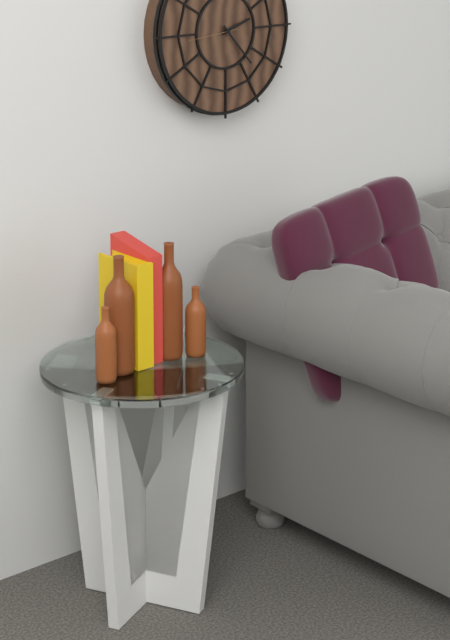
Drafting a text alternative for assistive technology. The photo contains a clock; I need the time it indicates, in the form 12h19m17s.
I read 2h23m44s
